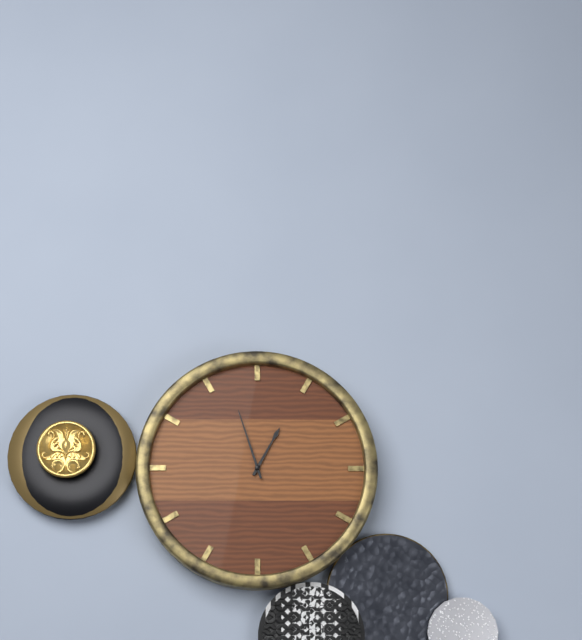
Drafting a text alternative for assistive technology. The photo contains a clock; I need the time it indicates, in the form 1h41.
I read 12h57
